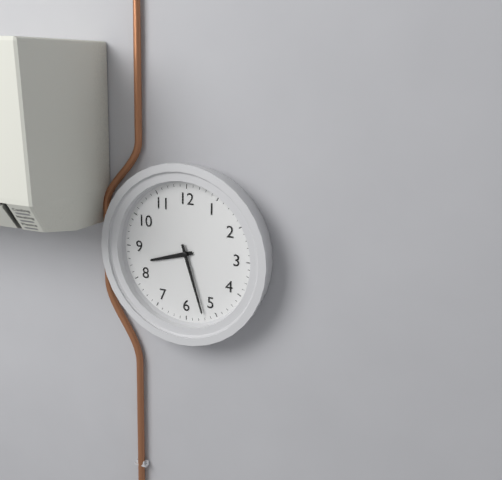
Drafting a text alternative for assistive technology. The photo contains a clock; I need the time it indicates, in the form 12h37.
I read 8h27
